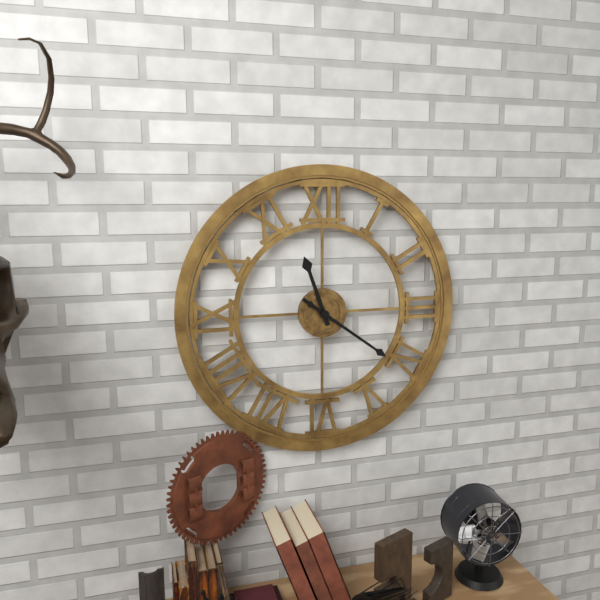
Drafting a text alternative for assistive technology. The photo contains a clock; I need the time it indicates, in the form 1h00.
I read 11h21
